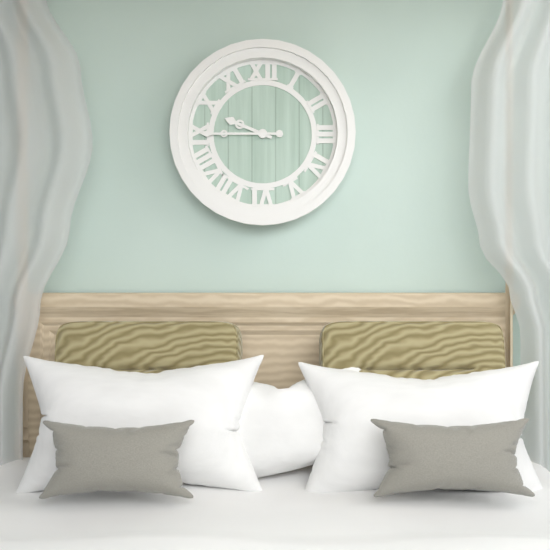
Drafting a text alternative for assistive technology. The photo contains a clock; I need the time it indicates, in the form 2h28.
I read 9h45
